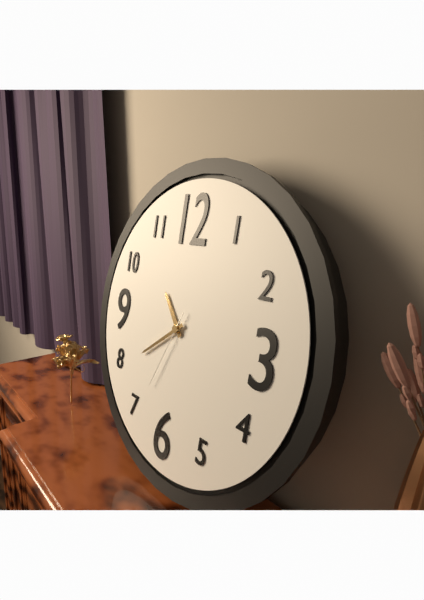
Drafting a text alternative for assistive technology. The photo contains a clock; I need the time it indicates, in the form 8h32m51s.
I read 10h39m34s
